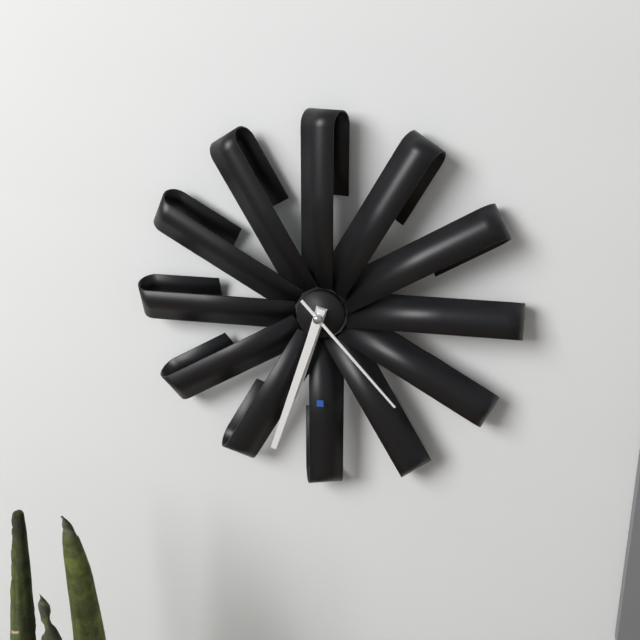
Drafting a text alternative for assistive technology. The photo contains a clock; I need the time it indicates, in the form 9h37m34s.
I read 6h33m23s
